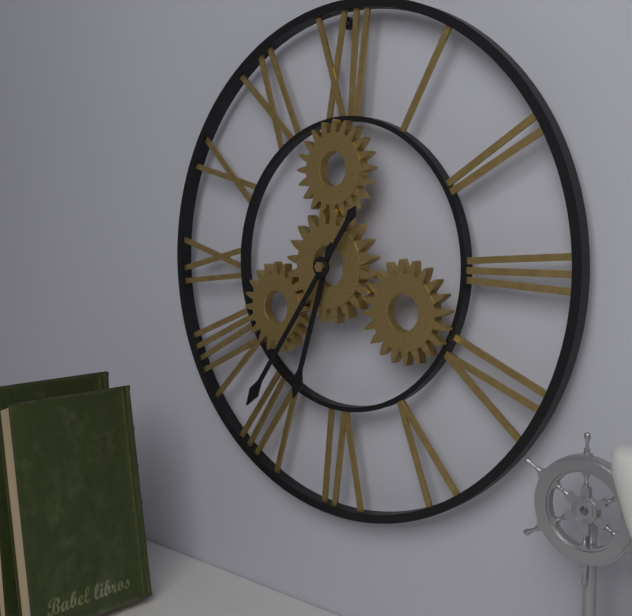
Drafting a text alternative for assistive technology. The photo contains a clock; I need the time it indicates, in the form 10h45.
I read 6h36
